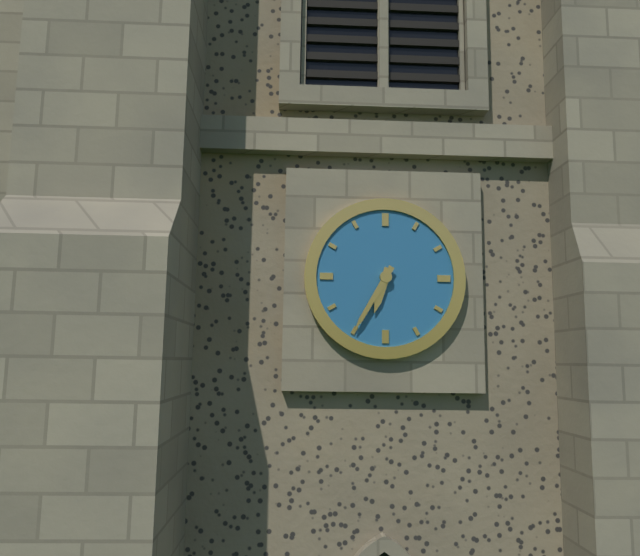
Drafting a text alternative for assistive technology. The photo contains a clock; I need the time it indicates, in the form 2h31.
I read 6h35
